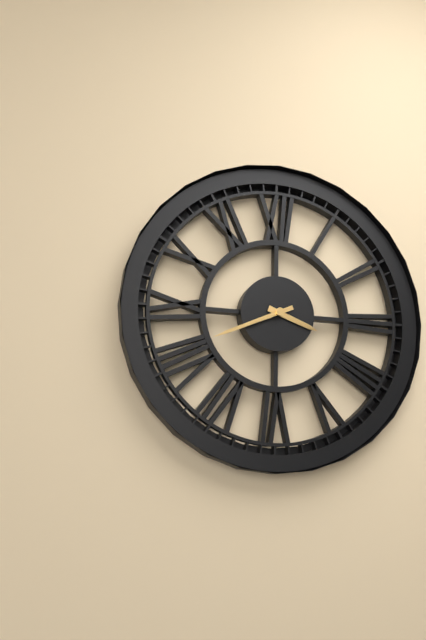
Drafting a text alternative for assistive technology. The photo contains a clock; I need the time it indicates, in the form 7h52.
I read 3h41
